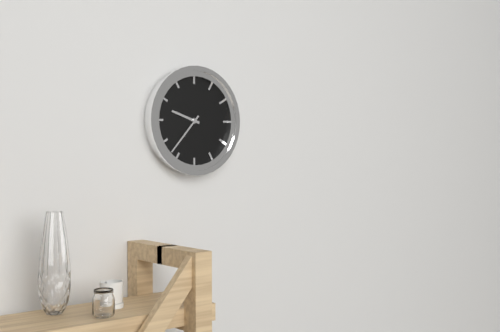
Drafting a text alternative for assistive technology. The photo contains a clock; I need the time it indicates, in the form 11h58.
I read 9h37
